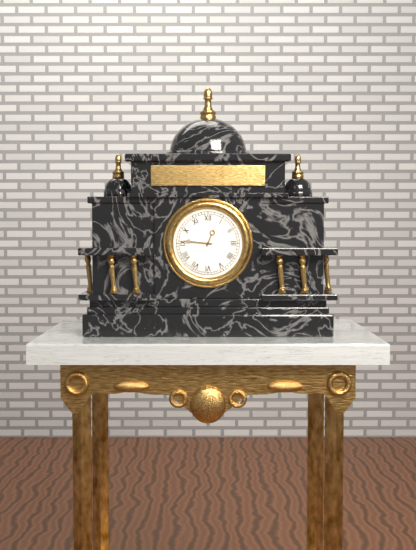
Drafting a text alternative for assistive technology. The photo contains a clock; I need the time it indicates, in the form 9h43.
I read 12h46
